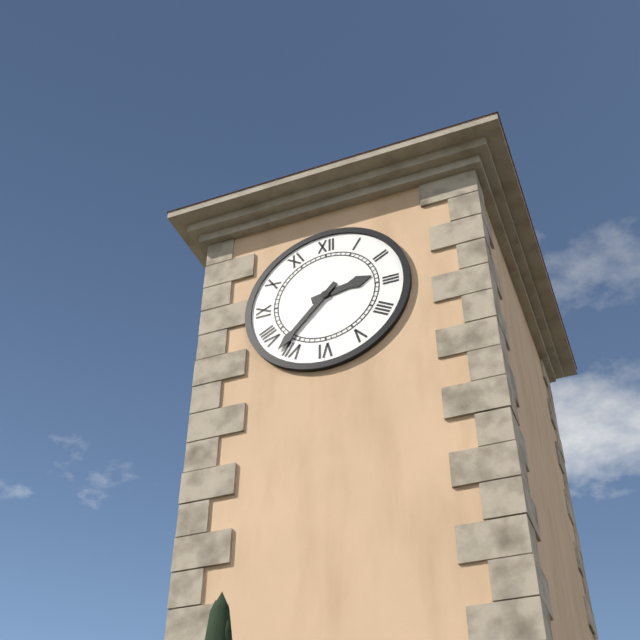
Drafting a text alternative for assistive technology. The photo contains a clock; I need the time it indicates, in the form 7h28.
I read 2h37
